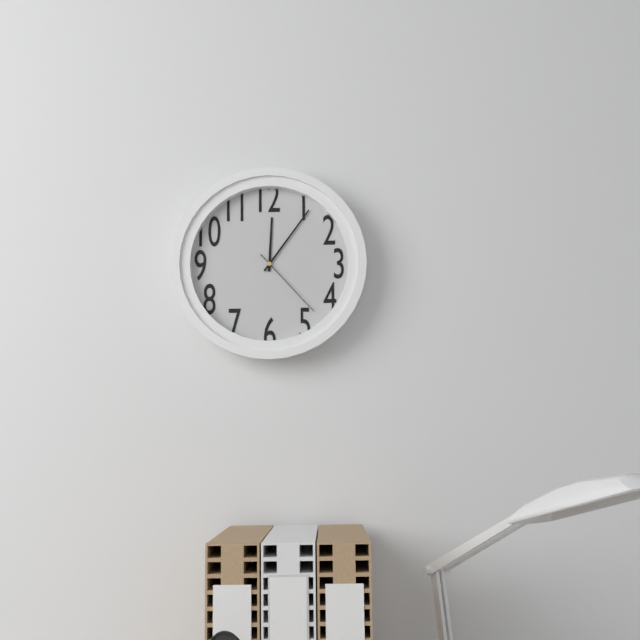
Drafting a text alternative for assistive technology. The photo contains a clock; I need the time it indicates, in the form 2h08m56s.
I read 12h06m23s
